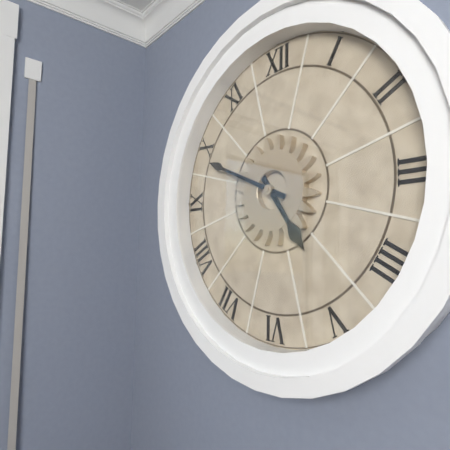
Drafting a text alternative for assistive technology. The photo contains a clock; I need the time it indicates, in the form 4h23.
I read 4h49
